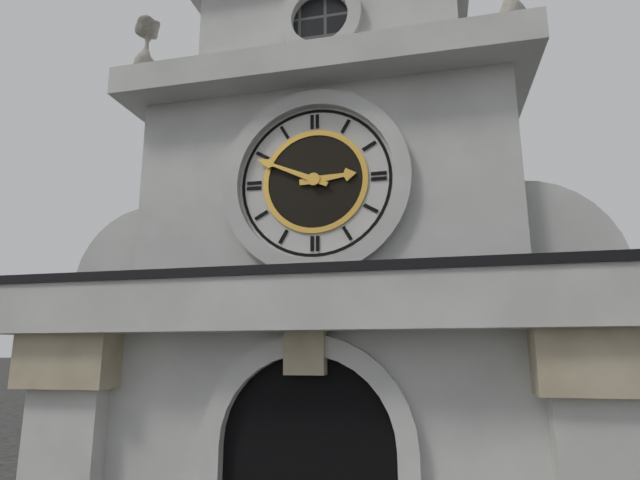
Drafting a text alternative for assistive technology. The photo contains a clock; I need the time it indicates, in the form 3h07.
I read 2h49
